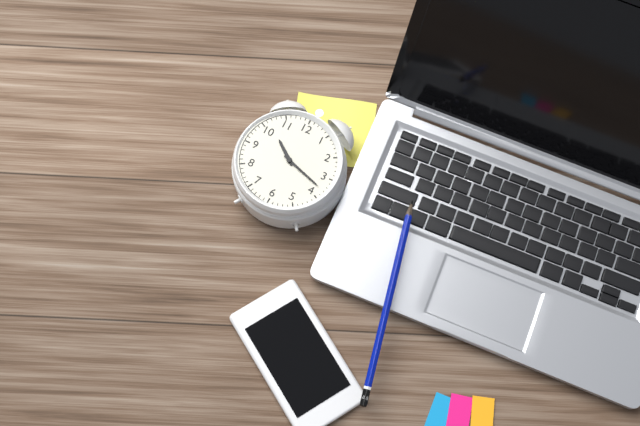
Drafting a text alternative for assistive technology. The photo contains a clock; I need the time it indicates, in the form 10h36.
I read 10h18
